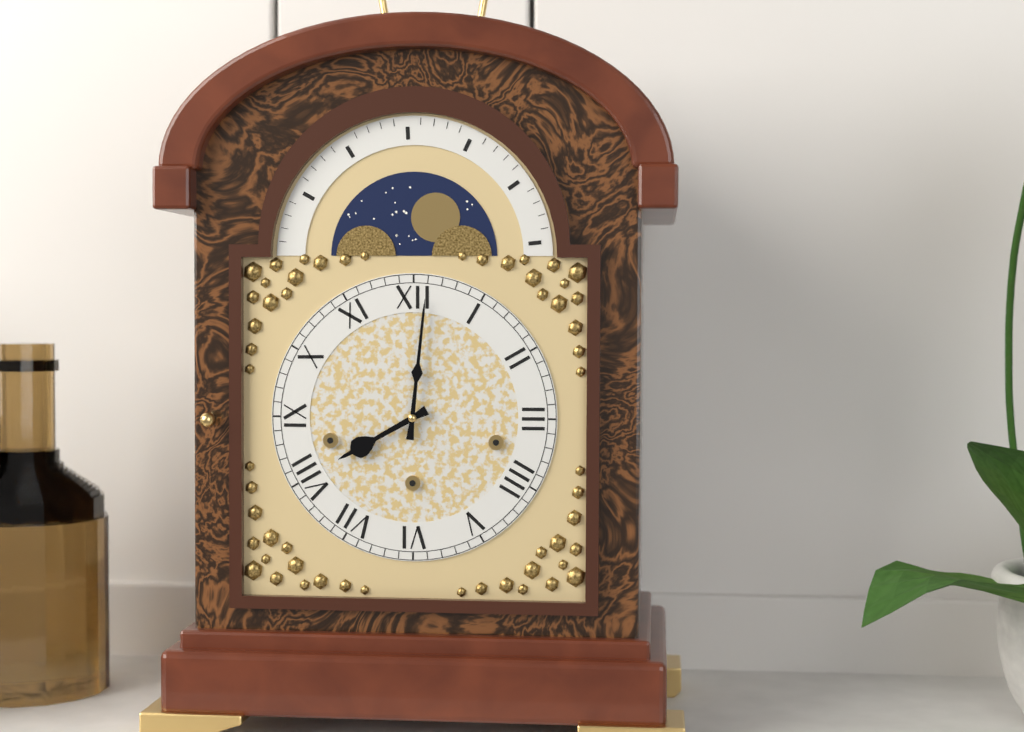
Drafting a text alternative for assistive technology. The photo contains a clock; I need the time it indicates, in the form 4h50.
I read 8h01
